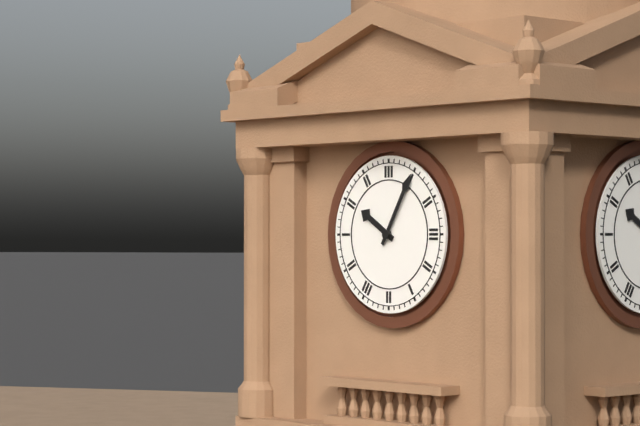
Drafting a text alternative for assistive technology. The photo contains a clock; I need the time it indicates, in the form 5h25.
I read 10h05
